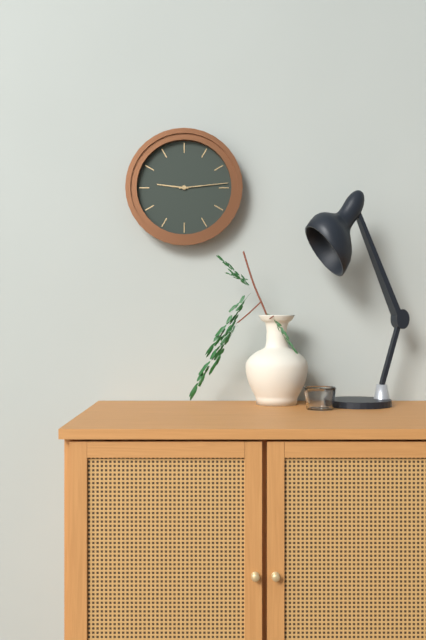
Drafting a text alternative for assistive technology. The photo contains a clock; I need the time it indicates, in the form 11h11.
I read 9h14
